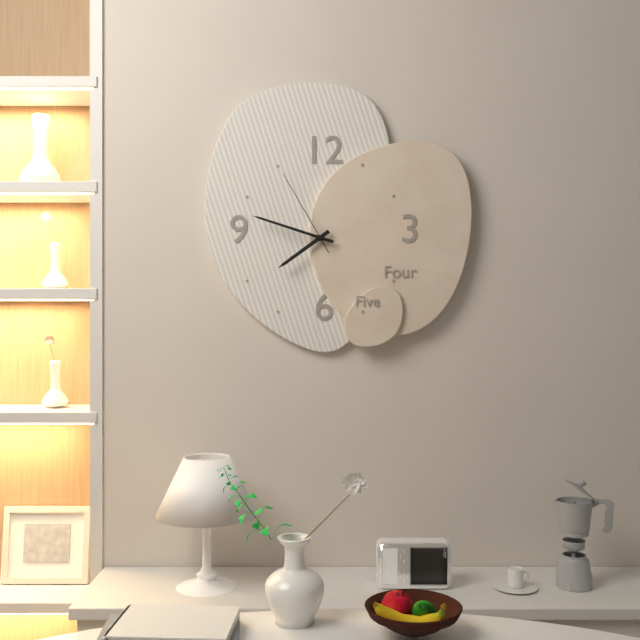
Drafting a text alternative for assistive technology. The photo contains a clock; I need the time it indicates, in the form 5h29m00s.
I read 7h48m55s
